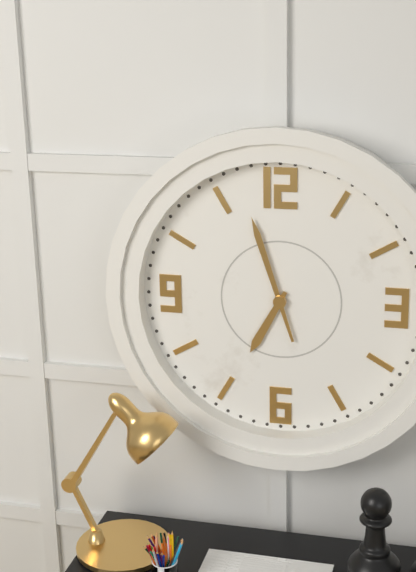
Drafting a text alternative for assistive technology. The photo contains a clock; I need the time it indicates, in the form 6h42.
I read 6h57
